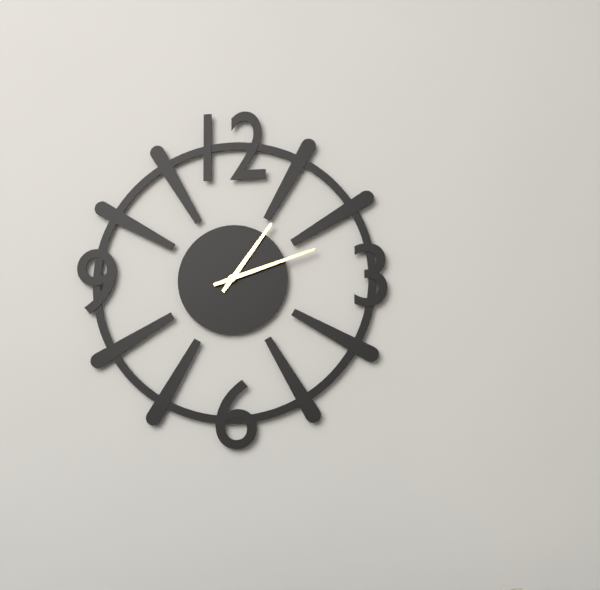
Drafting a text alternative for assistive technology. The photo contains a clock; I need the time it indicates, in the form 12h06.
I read 1h12
